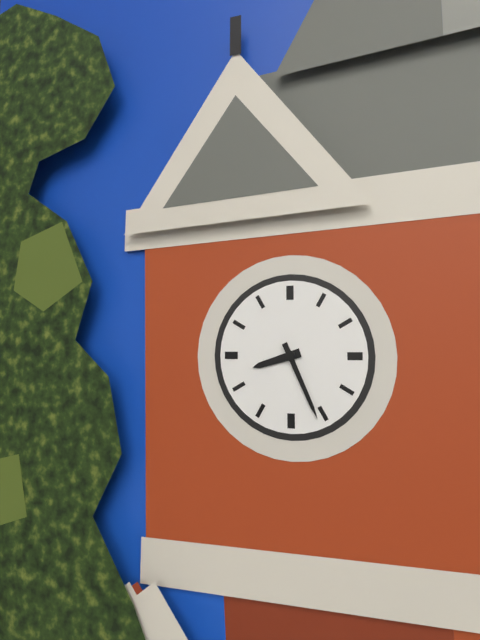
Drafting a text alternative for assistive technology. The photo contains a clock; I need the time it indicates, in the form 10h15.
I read 8h26
